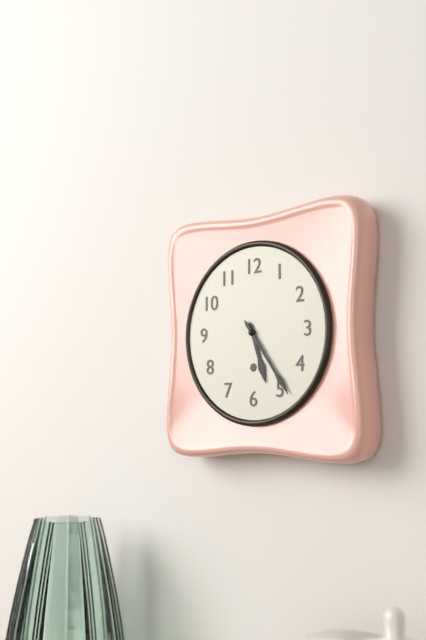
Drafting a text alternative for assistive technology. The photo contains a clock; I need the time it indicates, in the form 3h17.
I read 5h24
